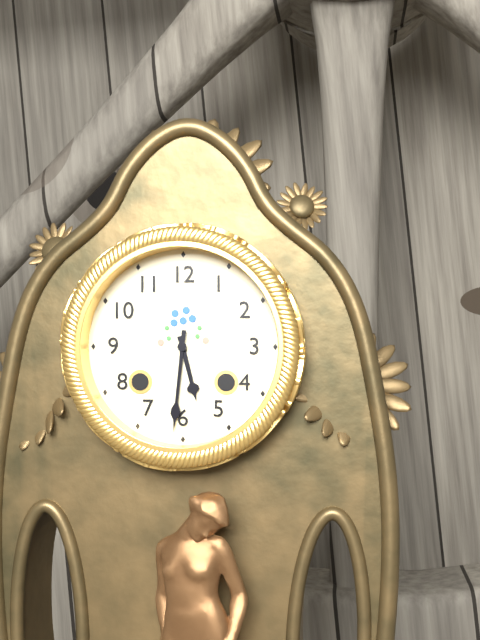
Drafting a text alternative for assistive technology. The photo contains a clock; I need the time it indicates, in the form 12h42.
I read 5h31
